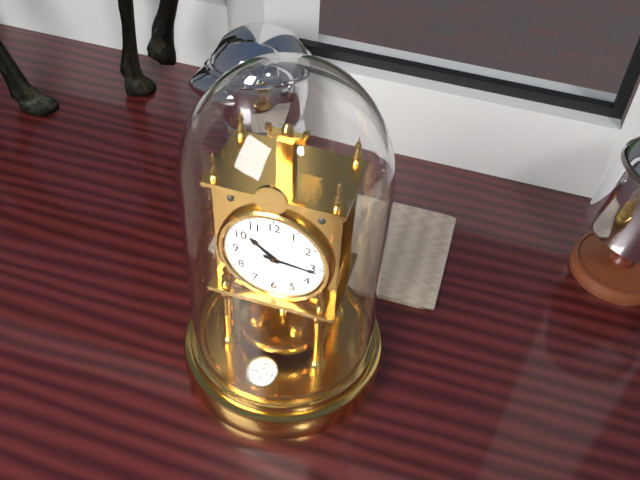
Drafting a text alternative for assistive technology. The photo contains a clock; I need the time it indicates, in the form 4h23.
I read 10h16
